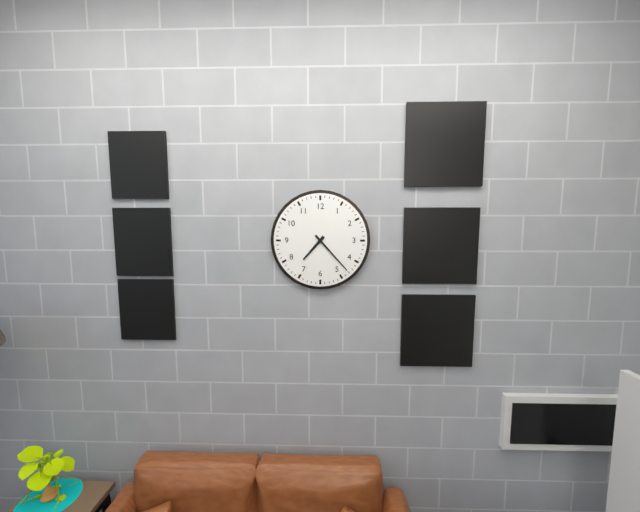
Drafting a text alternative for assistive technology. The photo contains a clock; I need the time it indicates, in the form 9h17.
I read 7h23
